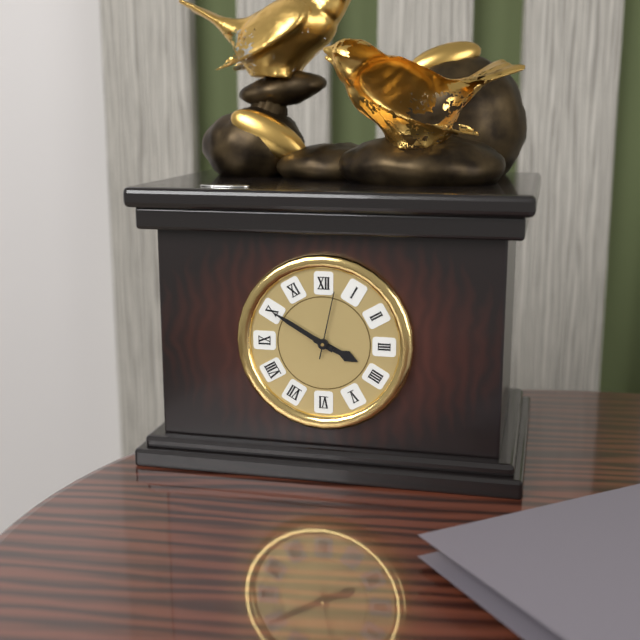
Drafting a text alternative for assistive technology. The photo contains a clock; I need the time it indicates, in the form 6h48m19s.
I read 3h50m02s
